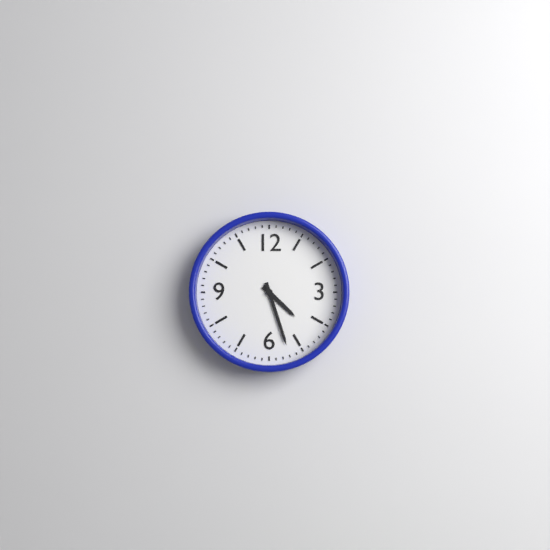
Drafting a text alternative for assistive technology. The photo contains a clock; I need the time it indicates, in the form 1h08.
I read 4h27
